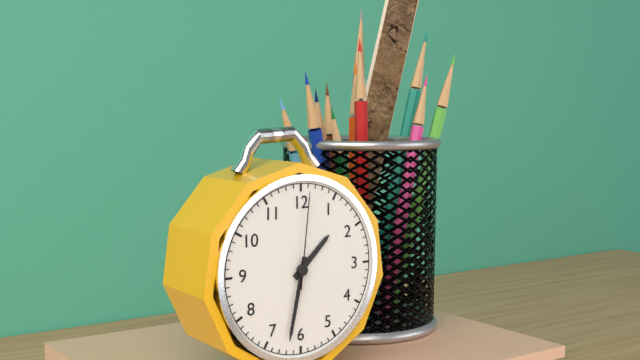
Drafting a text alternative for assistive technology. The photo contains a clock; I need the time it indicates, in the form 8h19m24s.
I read 1h32m01s
